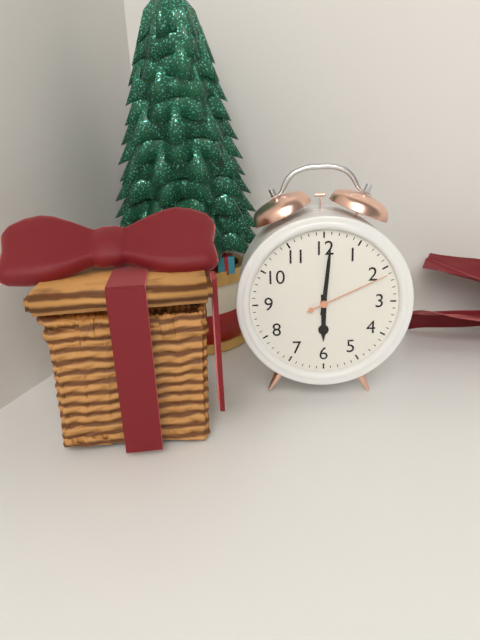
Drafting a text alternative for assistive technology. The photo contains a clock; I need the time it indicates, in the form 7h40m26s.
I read 6h01m11s
